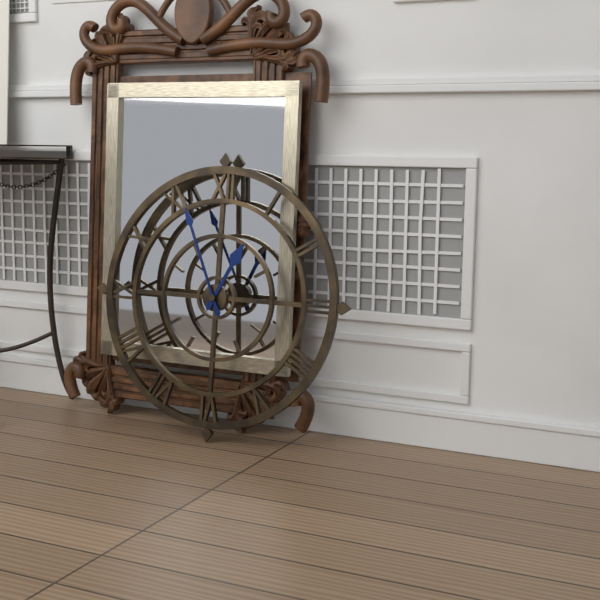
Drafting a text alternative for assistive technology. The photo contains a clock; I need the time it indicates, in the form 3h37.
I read 12h56
